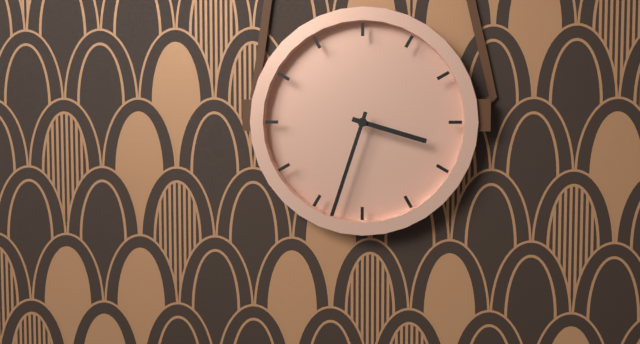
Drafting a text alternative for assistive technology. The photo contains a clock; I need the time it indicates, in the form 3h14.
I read 3h33
